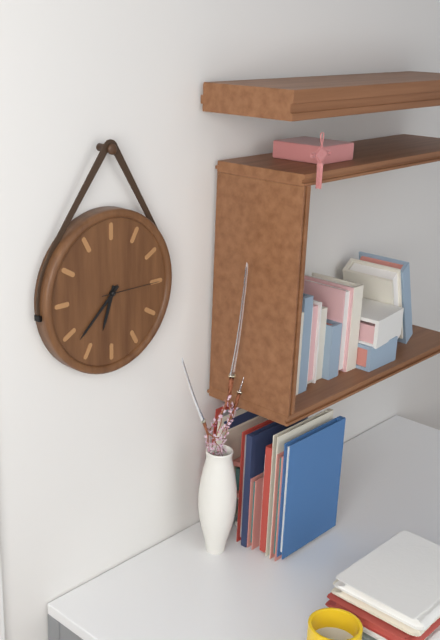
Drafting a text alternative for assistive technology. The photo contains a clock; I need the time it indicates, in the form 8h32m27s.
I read 6h38m15s
